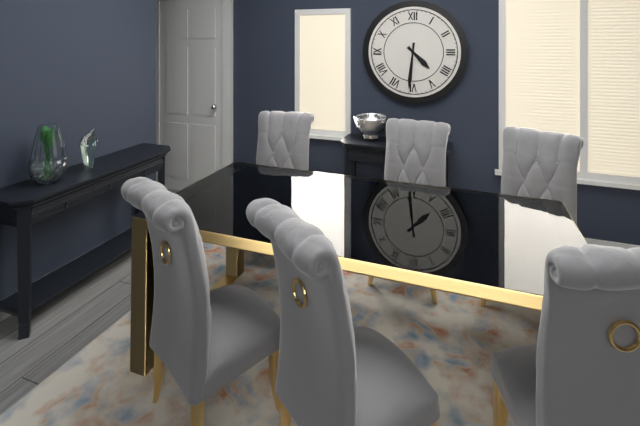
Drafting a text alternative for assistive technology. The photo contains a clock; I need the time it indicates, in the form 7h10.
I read 4h31
